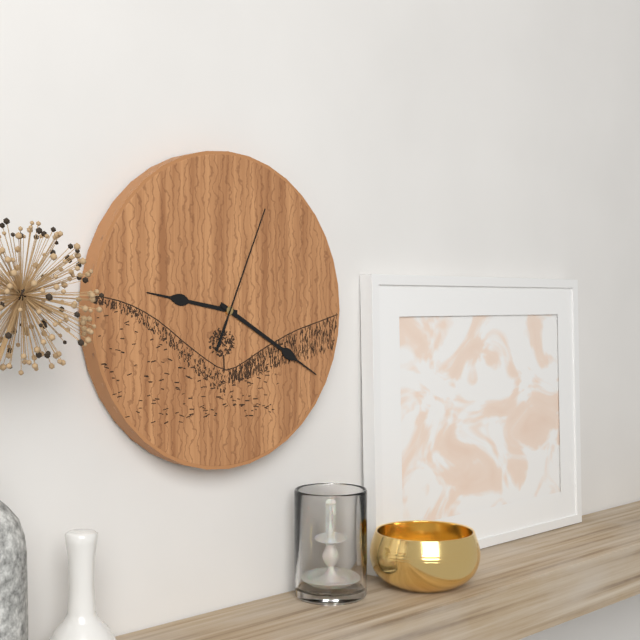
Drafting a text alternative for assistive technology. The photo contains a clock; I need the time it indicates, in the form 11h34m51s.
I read 9h20m04s
